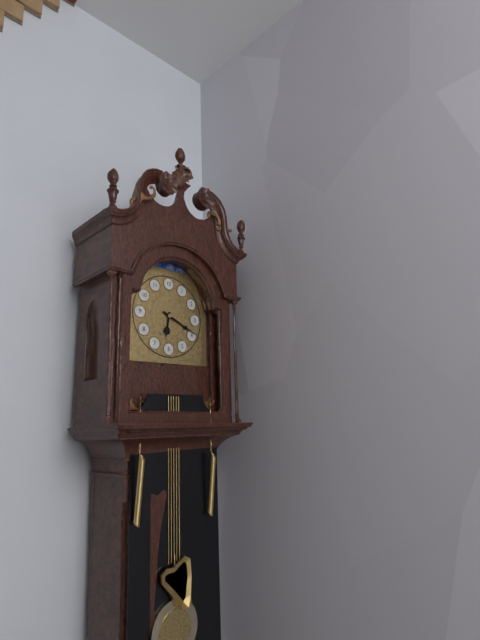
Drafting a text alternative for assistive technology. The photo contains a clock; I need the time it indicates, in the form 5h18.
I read 6h19
